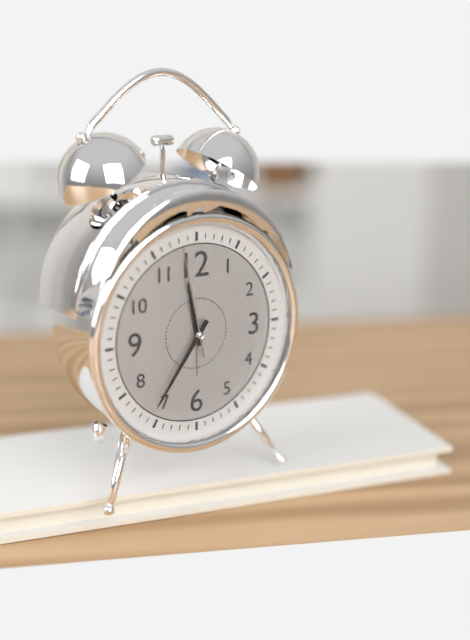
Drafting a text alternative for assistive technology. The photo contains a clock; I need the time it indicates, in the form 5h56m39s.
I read 11h36m58s
